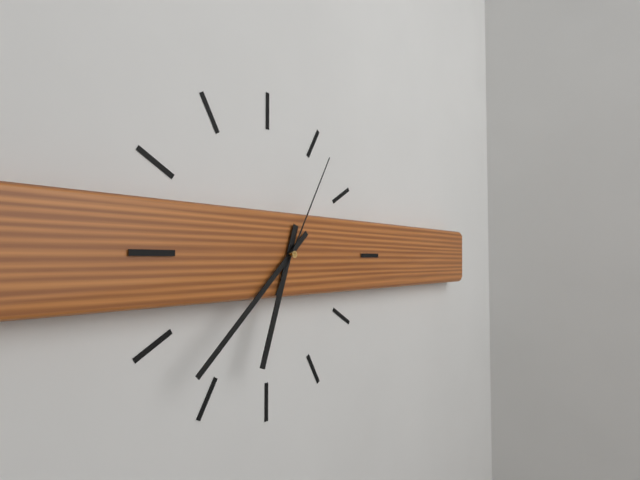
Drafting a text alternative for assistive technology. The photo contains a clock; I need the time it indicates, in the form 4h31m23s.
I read 6h38m05s
